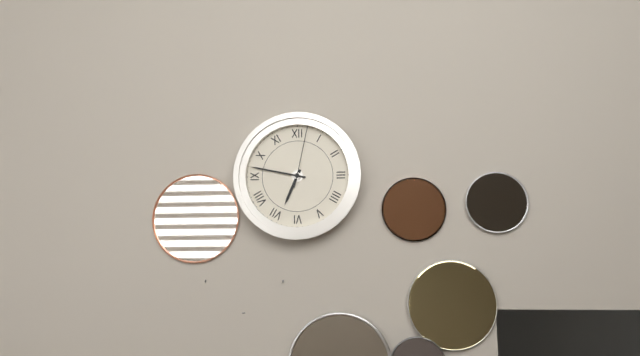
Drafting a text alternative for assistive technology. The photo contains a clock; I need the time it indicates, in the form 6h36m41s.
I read 6h47m02s
